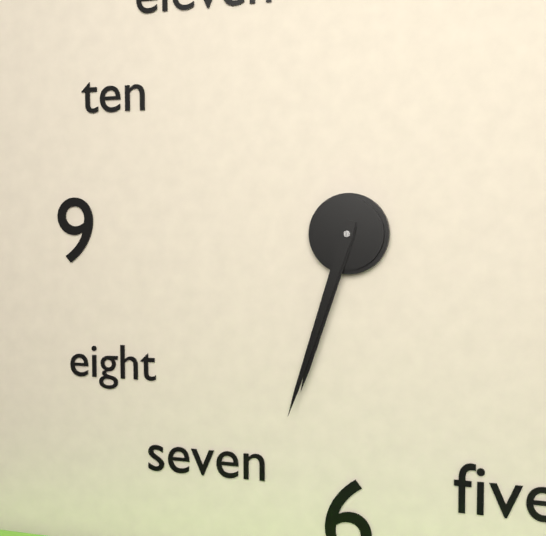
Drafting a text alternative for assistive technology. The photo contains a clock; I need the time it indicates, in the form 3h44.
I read 6h33
